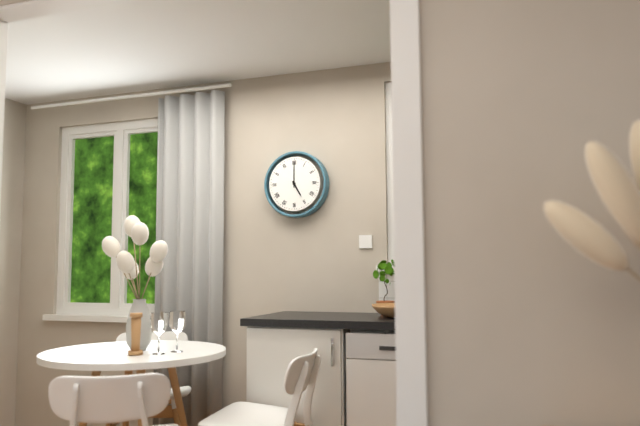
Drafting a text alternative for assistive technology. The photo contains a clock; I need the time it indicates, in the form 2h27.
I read 5h00
